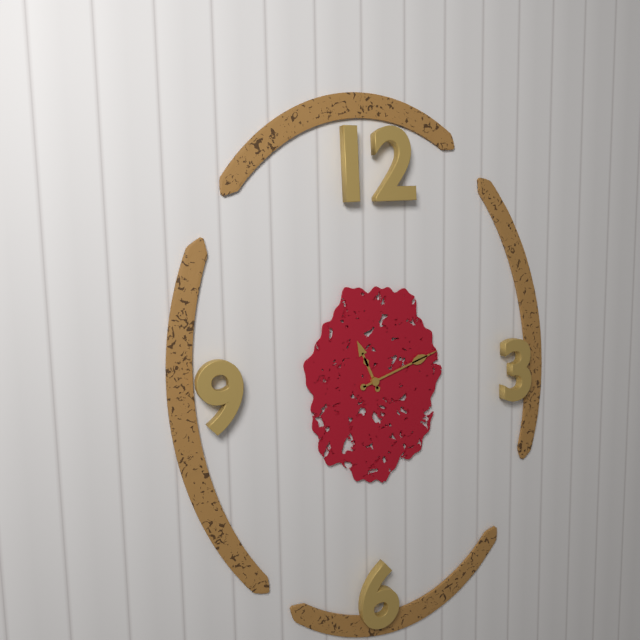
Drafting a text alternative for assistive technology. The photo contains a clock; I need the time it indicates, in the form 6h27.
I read 11h12
